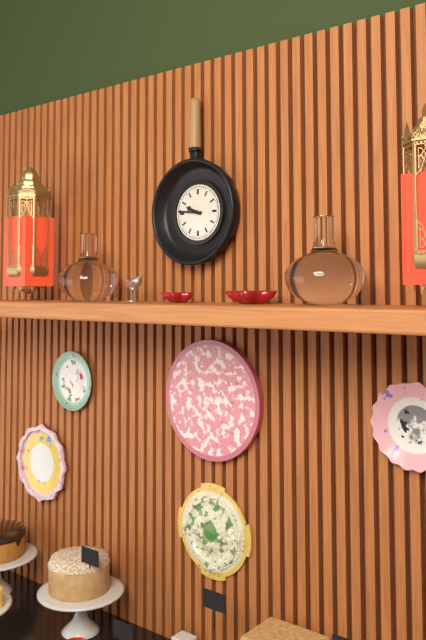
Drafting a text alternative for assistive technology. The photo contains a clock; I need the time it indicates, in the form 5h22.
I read 9h46
